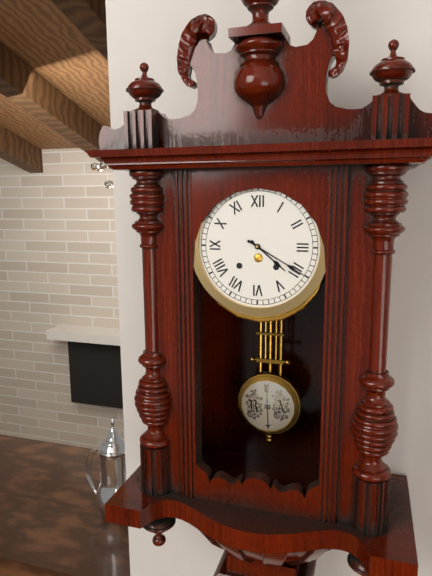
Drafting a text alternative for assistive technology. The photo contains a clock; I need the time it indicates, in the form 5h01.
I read 4h20
